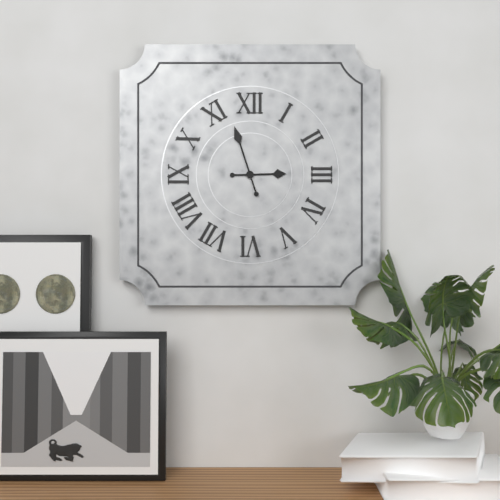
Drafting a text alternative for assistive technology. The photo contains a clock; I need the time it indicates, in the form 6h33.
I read 2h57
